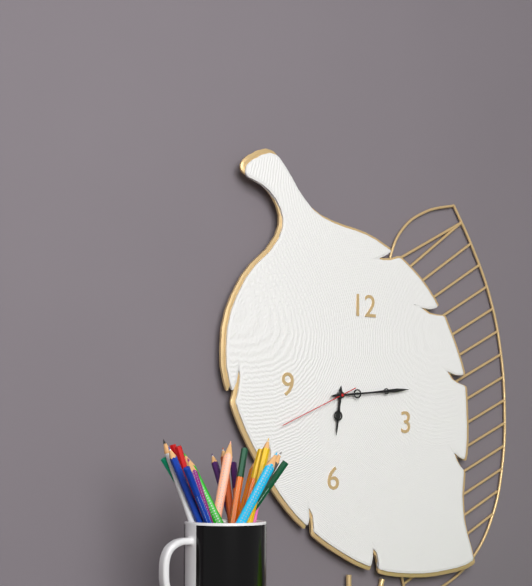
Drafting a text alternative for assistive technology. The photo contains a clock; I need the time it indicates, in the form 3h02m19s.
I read 6h14m41s
